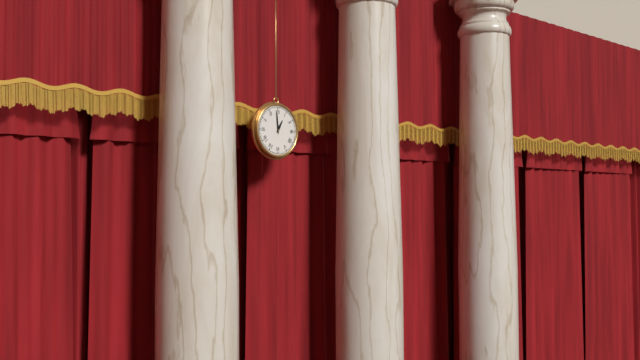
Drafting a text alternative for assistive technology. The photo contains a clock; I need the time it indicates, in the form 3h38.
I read 12h59
